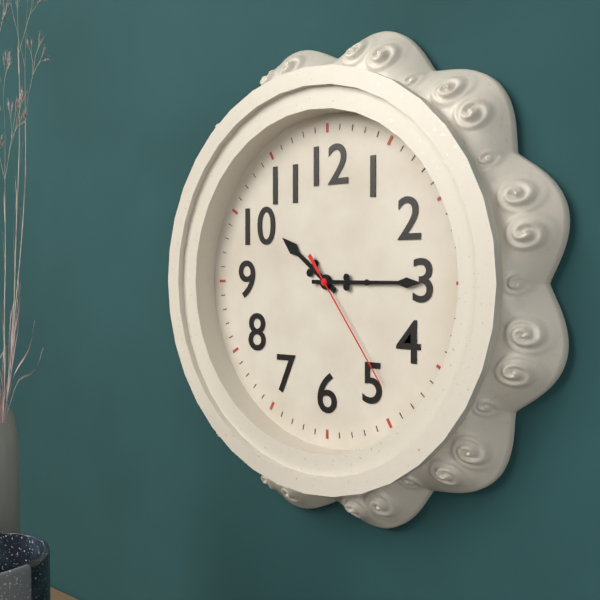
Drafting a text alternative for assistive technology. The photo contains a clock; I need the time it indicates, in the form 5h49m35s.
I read 10h15m24s
